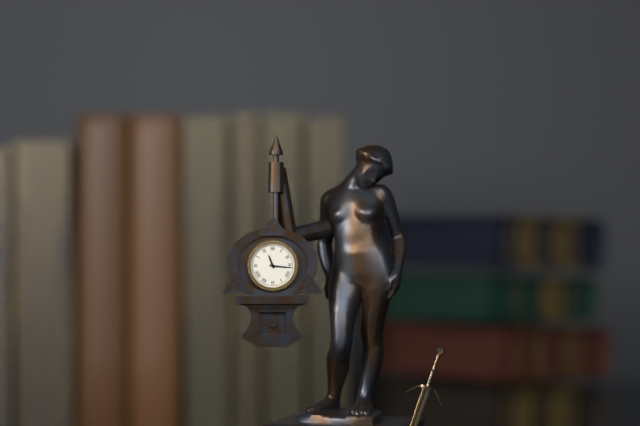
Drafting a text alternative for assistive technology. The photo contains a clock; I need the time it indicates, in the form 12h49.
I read 11h16
